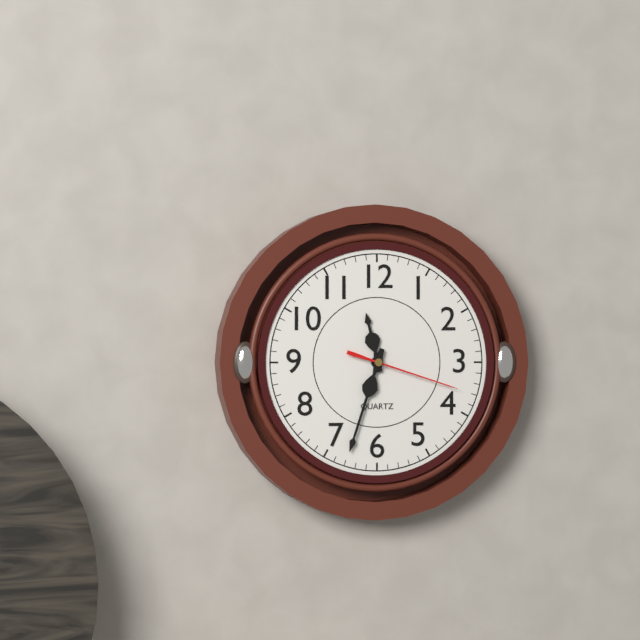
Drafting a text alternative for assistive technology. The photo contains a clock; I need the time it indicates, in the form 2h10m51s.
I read 11h33m18s
